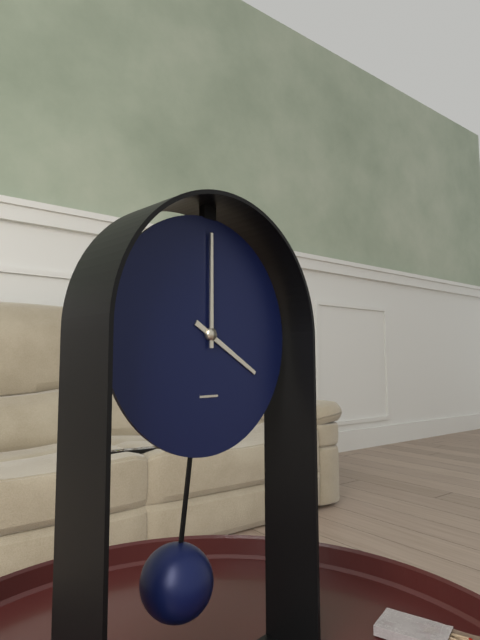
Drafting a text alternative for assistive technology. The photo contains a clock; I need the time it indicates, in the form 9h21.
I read 4h00
